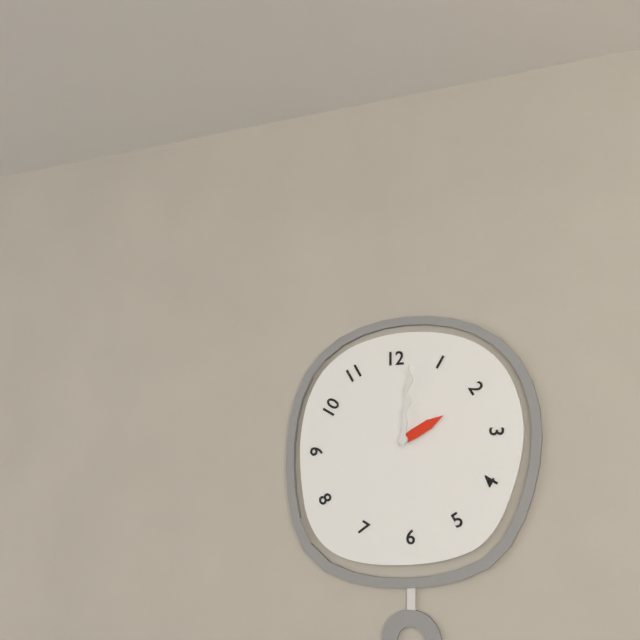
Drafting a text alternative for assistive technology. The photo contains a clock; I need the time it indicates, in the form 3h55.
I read 2h01
